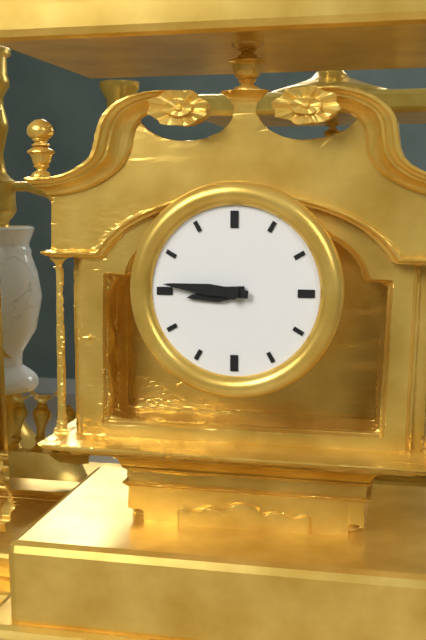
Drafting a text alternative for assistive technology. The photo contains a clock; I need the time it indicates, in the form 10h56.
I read 8h46
